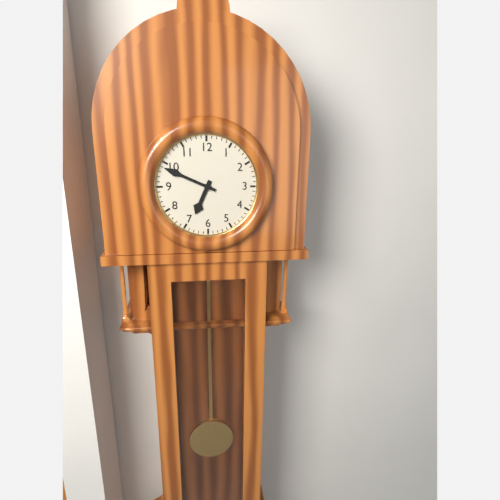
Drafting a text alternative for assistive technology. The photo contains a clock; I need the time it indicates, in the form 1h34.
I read 6h49
